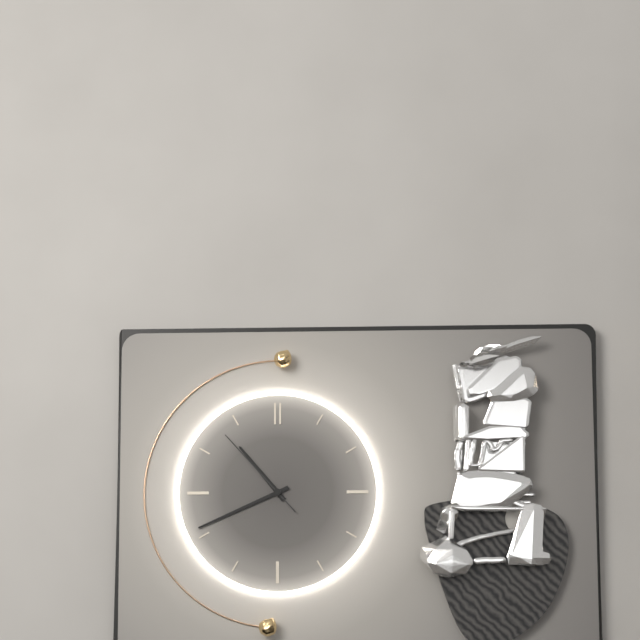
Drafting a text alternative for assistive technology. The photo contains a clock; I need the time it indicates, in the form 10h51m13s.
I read 10h41m53s
